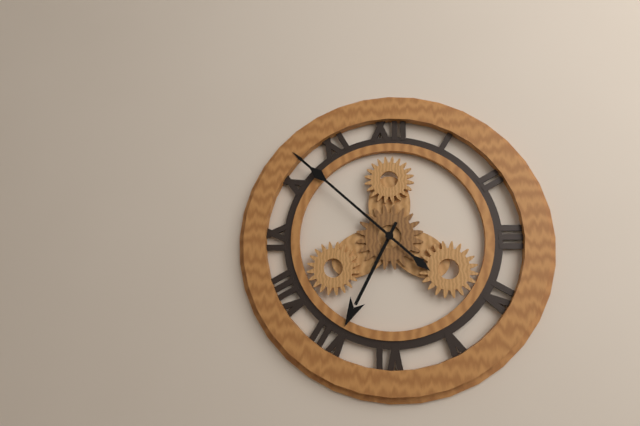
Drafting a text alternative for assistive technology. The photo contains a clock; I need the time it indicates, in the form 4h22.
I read 6h52
